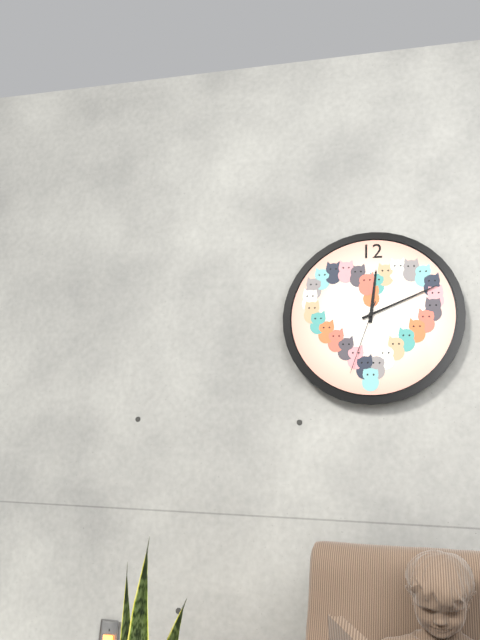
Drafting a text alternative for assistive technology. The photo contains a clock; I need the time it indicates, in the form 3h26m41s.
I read 12h11m33s
